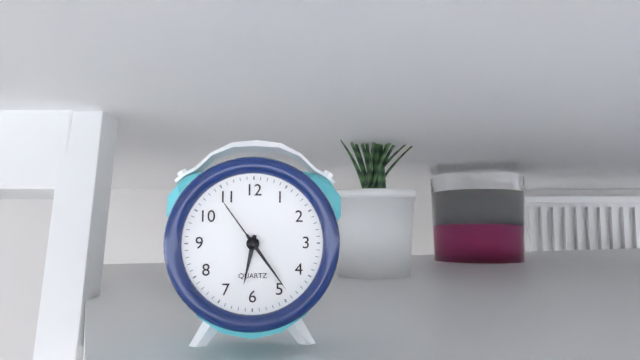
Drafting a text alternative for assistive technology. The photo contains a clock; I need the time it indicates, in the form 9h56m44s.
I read 6h24m54s
